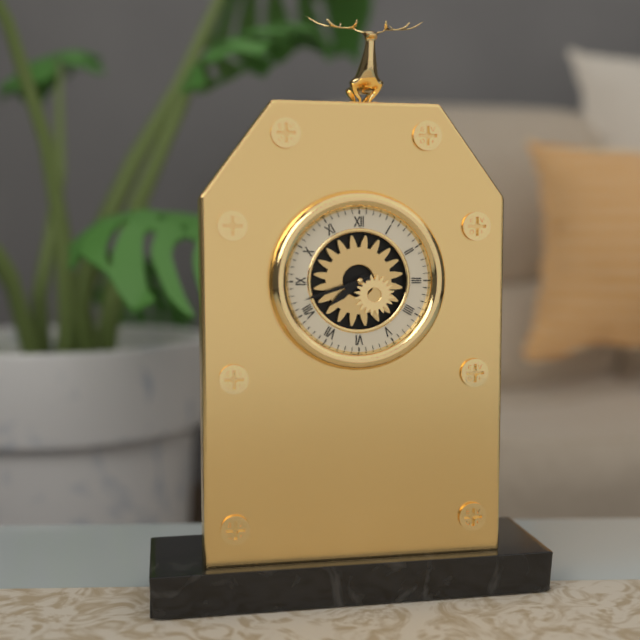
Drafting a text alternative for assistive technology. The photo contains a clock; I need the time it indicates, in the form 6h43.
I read 7h42
